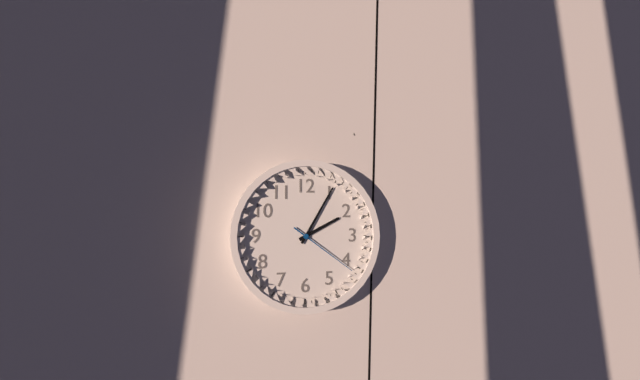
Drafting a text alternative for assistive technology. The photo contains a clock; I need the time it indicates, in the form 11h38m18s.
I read 2h05m21s
